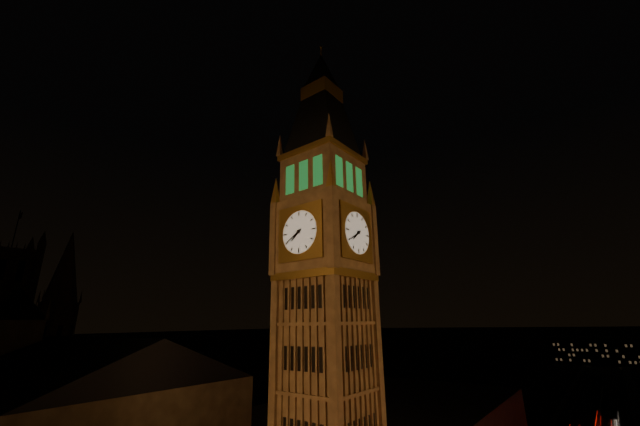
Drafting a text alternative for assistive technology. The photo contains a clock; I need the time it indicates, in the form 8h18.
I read 7h40
